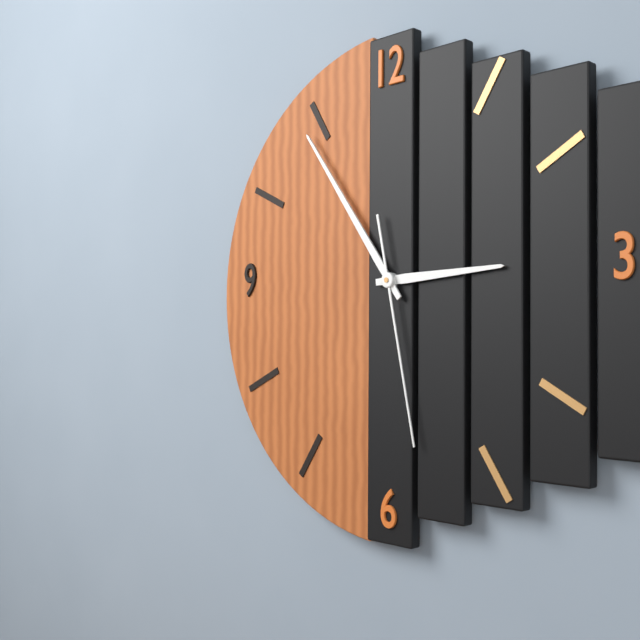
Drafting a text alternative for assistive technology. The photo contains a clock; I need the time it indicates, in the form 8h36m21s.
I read 2h54m28s
